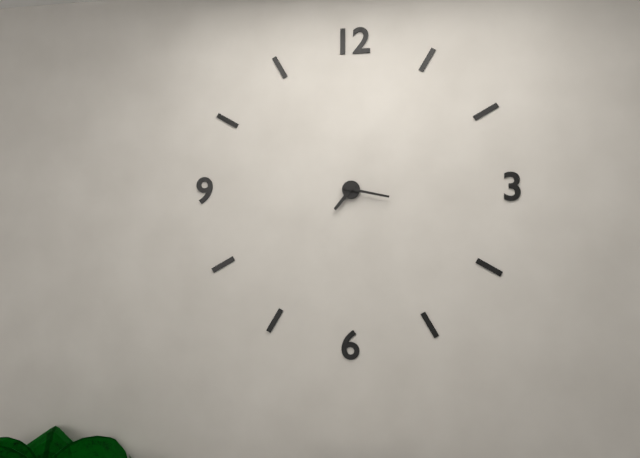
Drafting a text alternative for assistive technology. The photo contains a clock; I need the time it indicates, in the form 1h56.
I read 7h17
